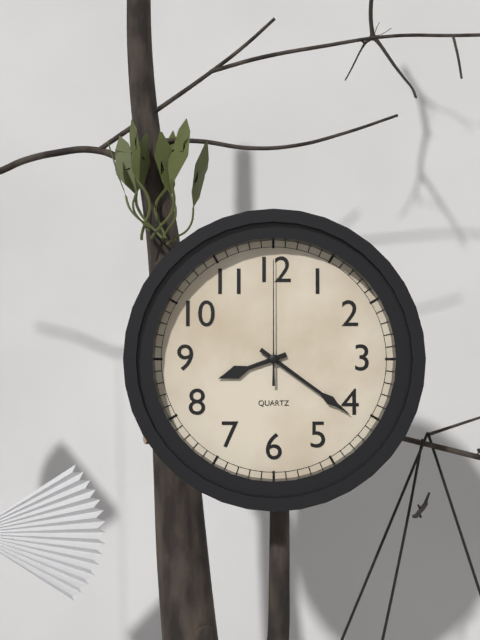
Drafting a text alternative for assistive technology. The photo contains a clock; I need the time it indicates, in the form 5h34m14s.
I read 8h21m00s
